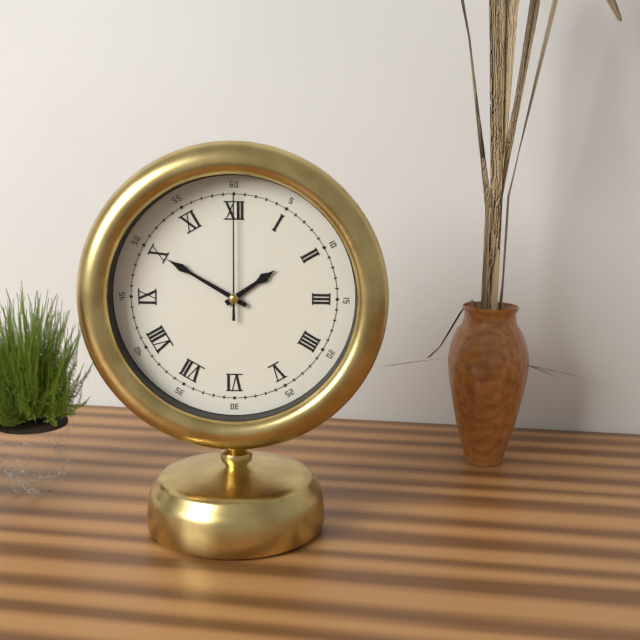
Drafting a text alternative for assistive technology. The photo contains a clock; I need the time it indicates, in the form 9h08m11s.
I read 1h50m00s
